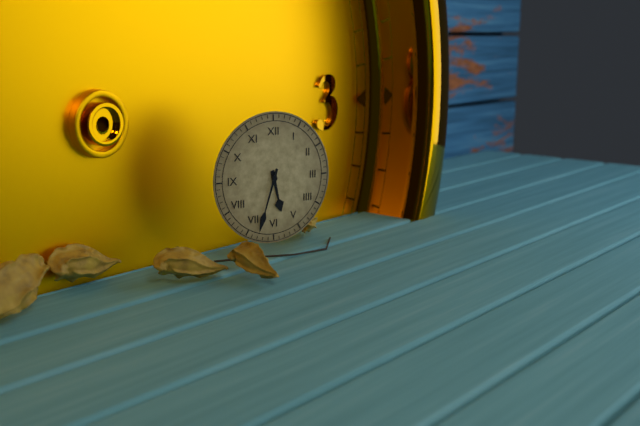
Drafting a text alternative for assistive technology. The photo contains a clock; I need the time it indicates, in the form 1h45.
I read 5h33
